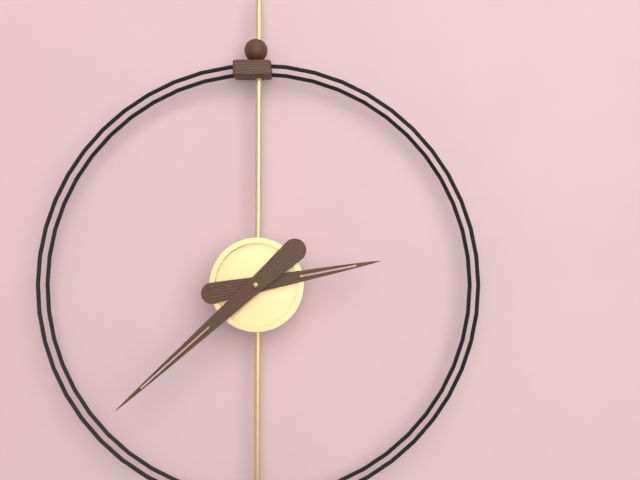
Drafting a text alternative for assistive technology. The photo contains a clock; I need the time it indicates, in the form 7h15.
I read 2h38
